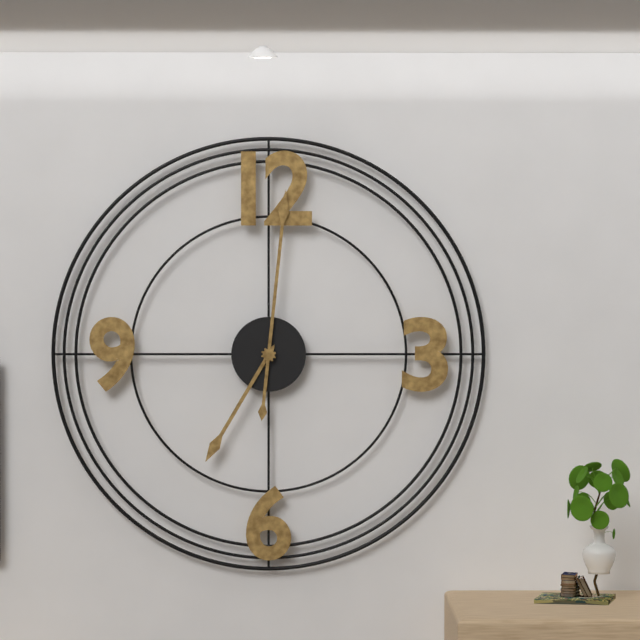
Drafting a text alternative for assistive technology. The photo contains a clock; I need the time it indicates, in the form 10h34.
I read 7h01
